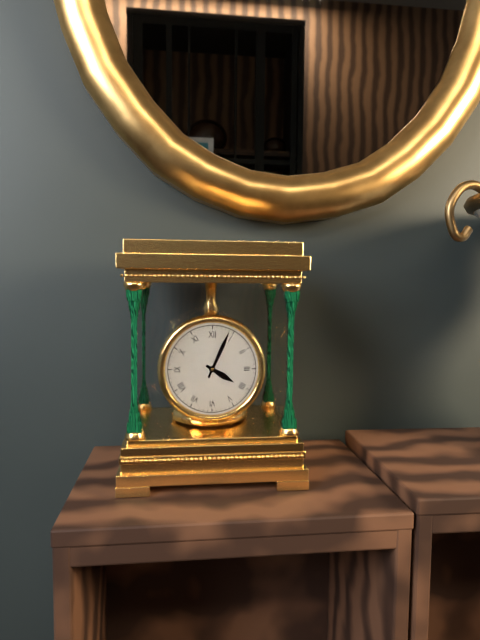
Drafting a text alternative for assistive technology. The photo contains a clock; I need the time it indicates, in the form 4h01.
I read 4h04
